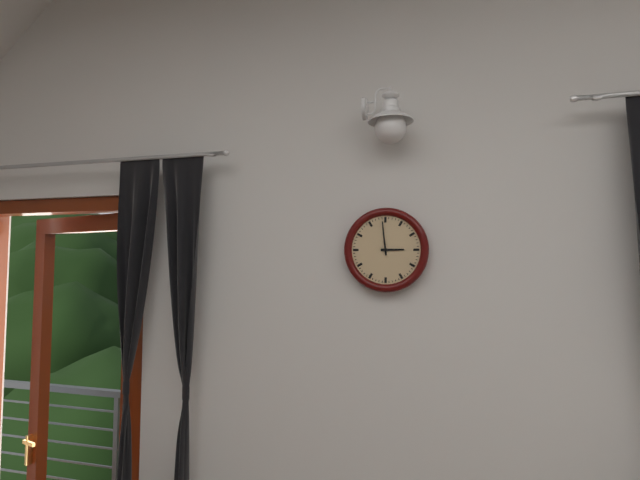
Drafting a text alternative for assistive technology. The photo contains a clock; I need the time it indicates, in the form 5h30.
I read 2h59
